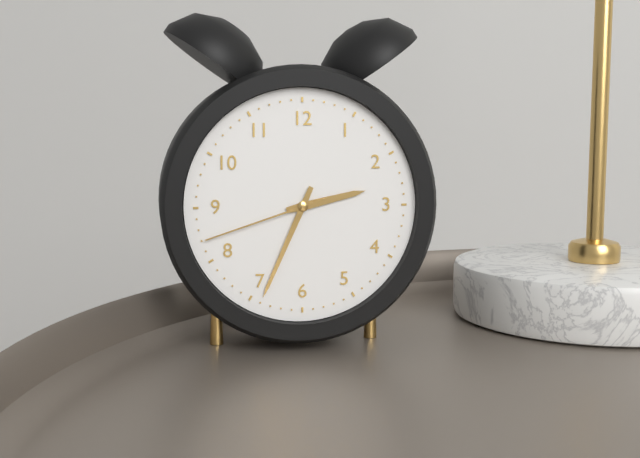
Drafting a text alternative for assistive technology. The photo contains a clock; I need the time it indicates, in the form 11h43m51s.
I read 2h34m42s
